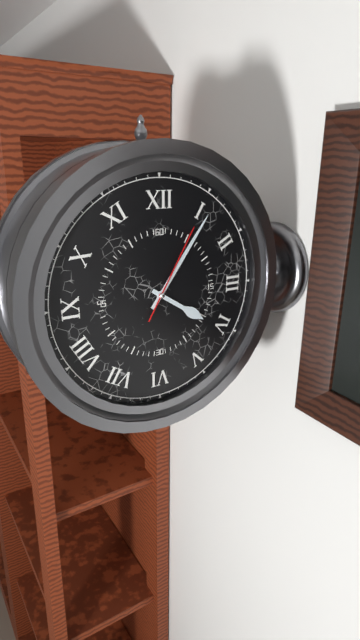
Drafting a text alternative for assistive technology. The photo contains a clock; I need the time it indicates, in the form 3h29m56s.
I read 4h06m05s
